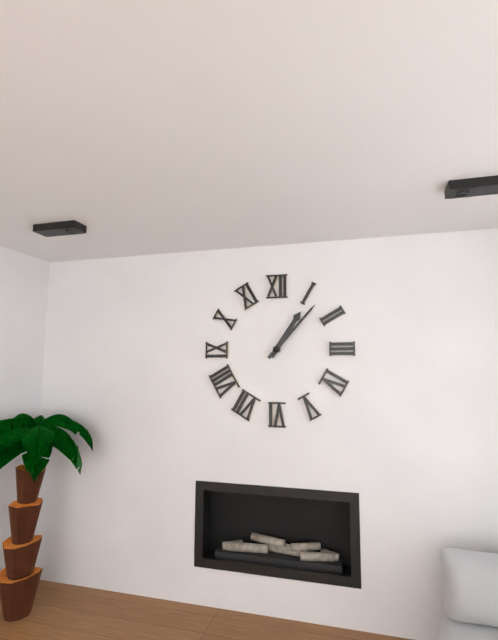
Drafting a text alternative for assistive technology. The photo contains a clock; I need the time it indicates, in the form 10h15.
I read 1h07
